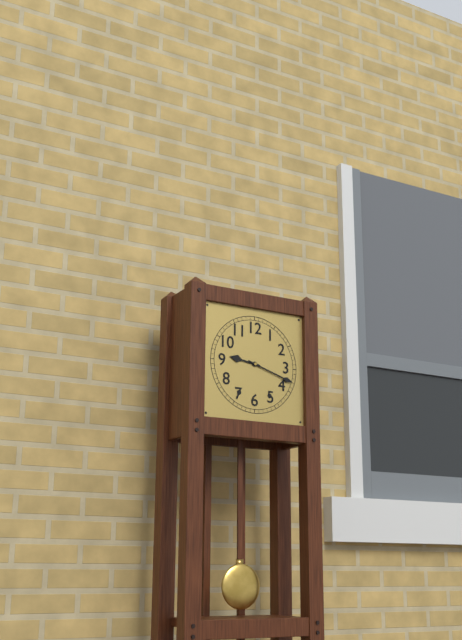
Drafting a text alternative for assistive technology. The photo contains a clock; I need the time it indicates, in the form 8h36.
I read 9h18
